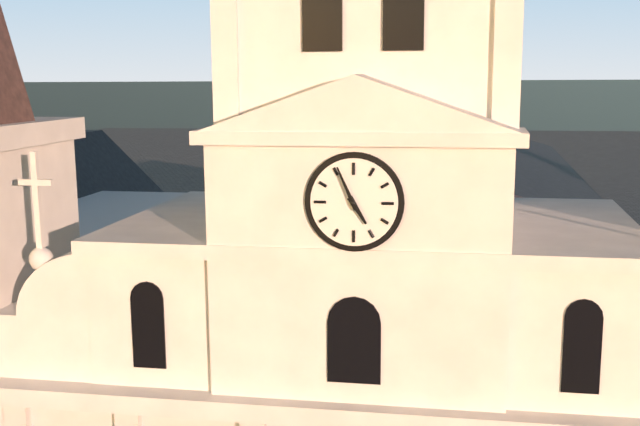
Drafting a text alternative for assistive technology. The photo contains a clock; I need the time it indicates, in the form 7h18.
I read 4h56
